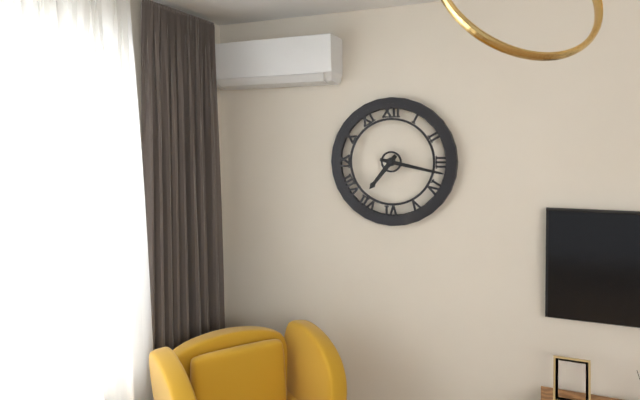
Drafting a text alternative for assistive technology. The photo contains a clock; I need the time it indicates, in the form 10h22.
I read 7h17
